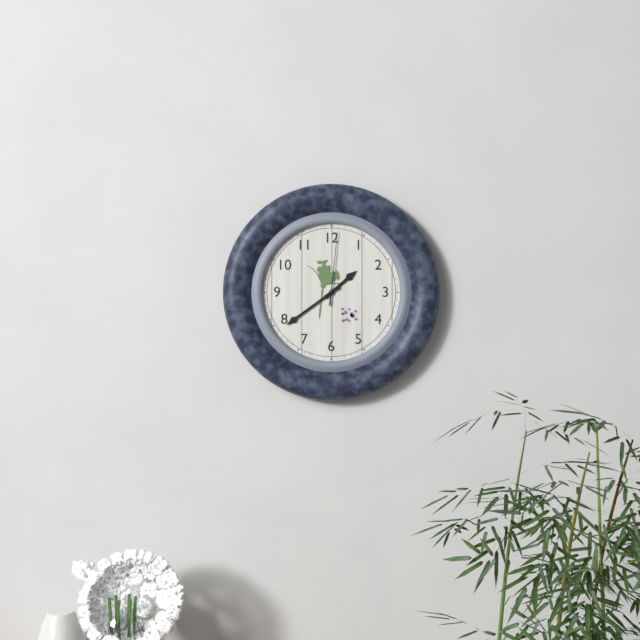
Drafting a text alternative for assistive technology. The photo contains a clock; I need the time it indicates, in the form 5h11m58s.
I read 1h39m01s
